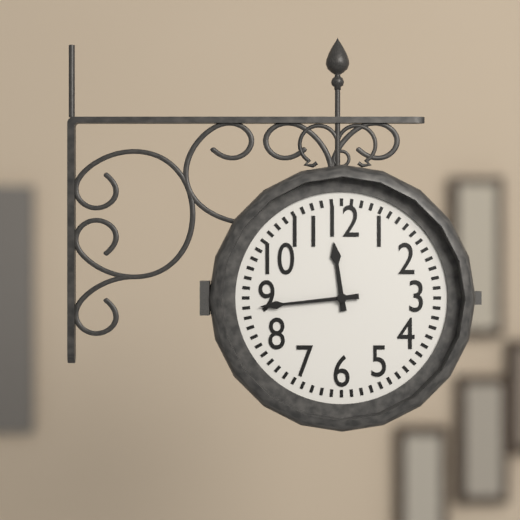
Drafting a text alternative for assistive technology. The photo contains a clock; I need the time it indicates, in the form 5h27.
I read 11h44
